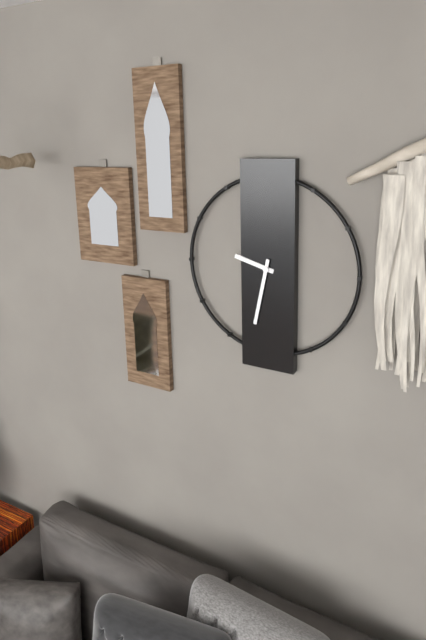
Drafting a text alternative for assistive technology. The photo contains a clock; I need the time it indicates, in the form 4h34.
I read 9h32
